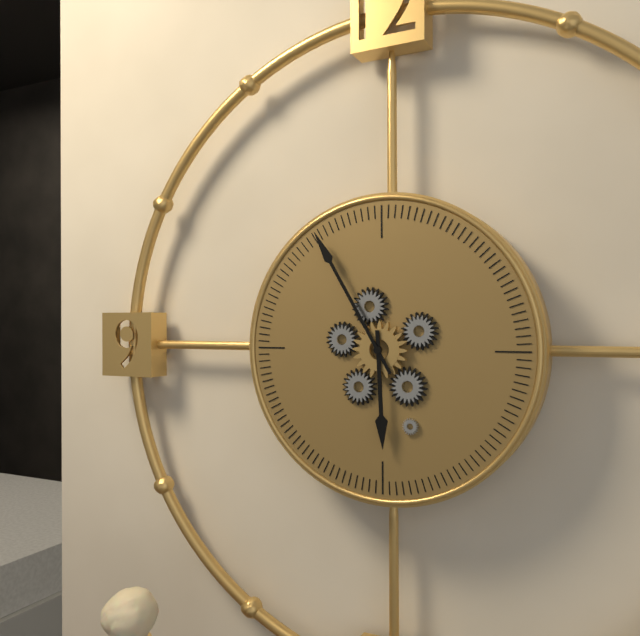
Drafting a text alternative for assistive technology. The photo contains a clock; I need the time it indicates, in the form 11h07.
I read 5h55
